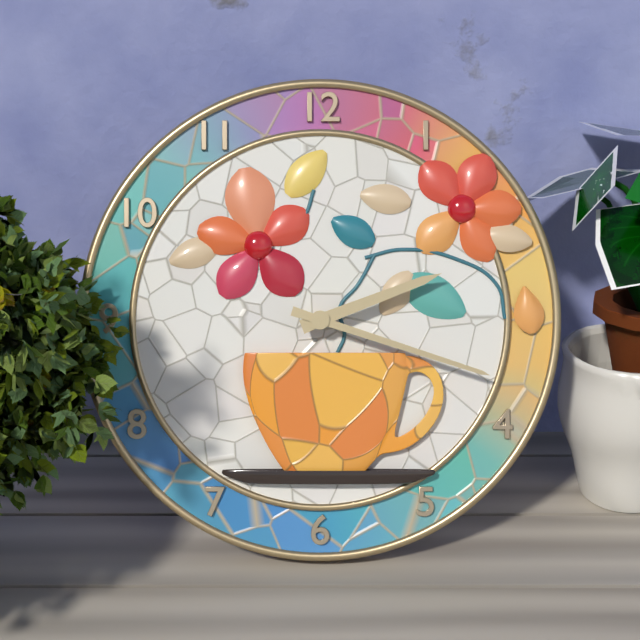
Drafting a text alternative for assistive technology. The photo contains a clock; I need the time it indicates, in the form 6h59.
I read 2h18
